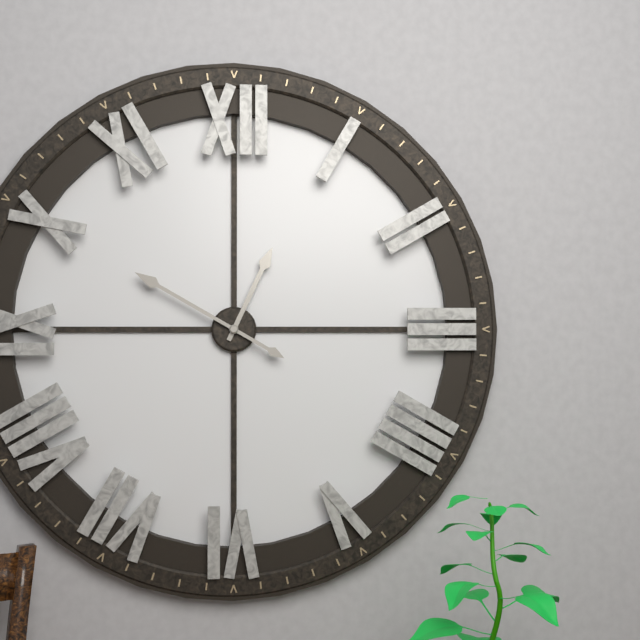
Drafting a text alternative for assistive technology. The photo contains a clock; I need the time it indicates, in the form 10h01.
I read 12h50
